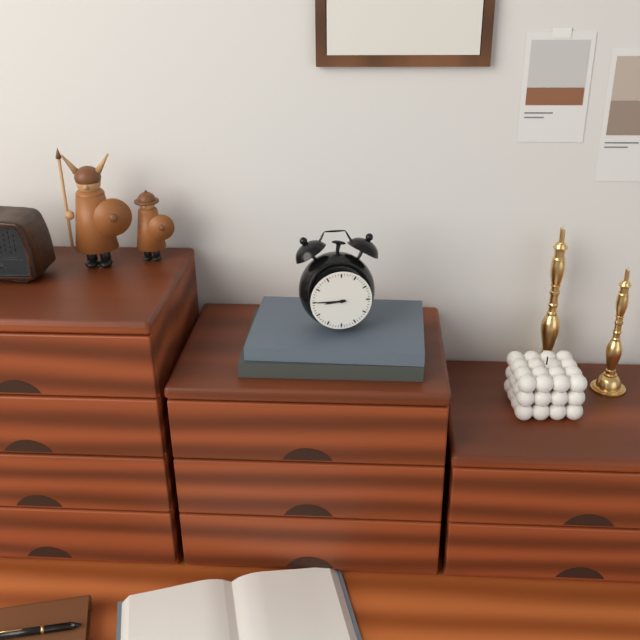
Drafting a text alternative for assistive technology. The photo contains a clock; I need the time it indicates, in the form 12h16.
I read 8h45
